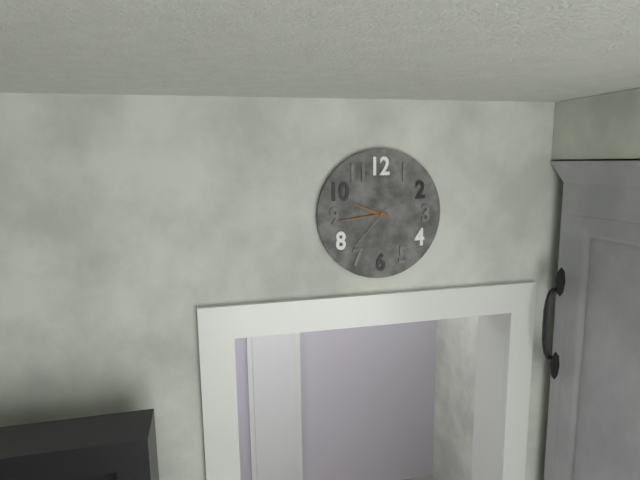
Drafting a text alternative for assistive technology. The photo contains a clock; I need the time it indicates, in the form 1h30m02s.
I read 9h44m37s
